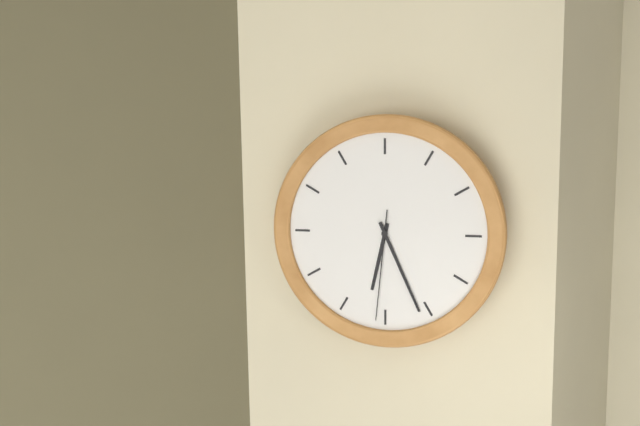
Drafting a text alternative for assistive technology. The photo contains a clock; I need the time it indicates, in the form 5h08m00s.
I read 6h26m31s
